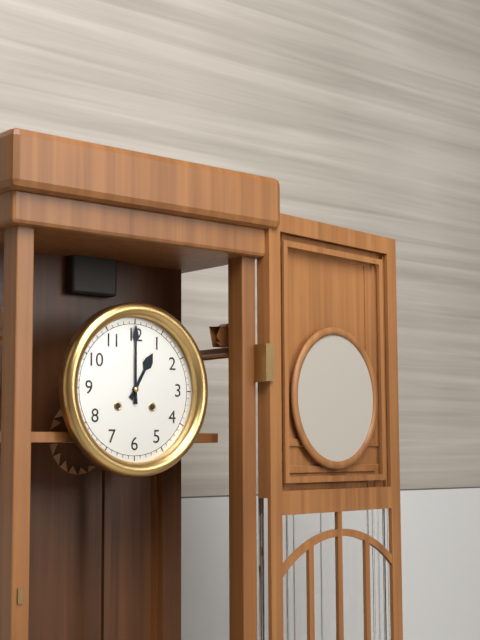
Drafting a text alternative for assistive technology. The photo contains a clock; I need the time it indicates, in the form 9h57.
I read 1h00
